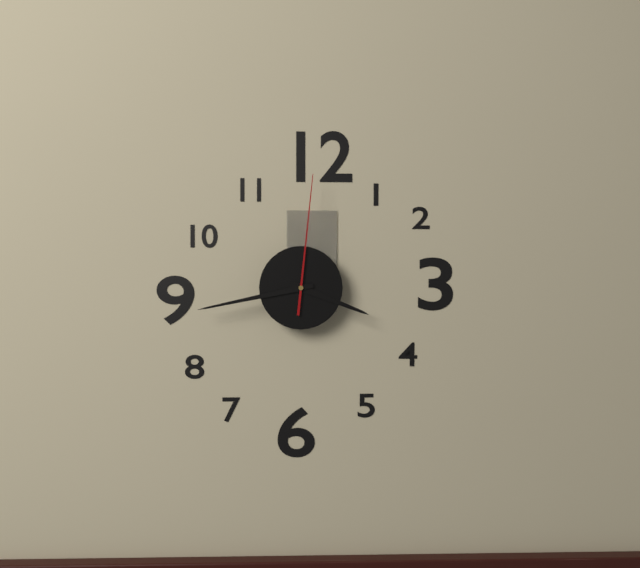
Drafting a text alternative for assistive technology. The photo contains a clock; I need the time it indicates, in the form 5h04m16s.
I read 3h43m01s
